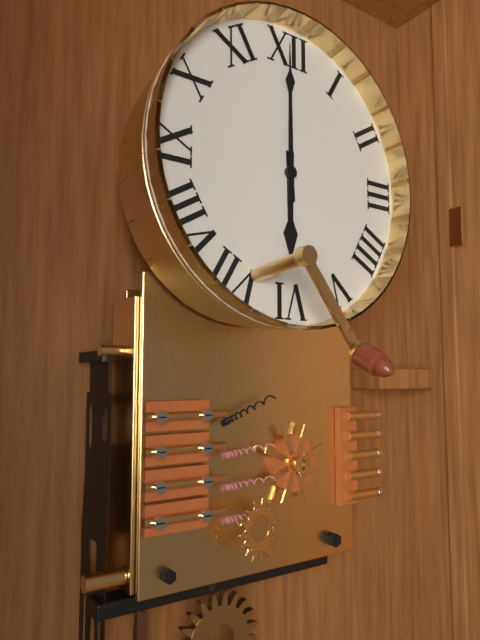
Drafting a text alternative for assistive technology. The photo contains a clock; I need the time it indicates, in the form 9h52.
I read 6h00
